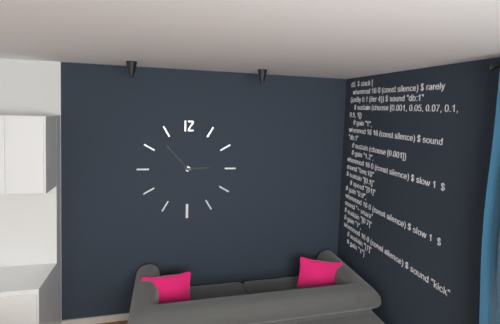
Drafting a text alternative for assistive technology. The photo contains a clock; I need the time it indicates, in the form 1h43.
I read 2h53
